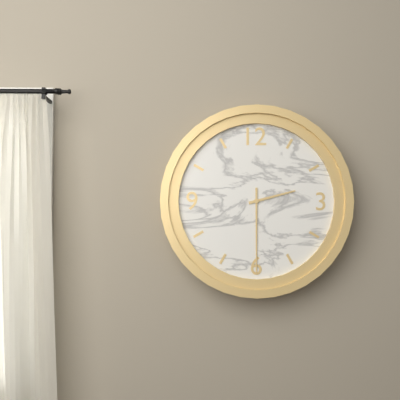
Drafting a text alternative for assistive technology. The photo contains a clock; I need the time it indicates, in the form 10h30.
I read 2h30
